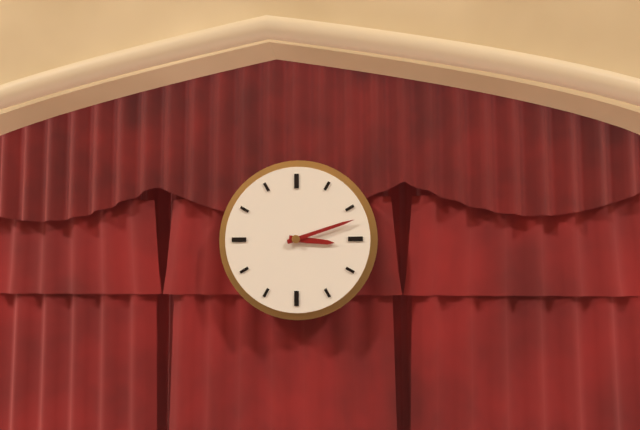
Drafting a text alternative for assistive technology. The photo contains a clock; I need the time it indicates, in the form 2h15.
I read 3h12
